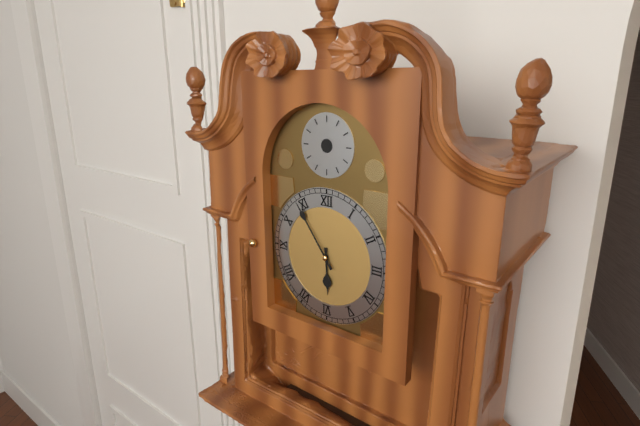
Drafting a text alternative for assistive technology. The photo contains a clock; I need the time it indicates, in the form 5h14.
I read 5h54
